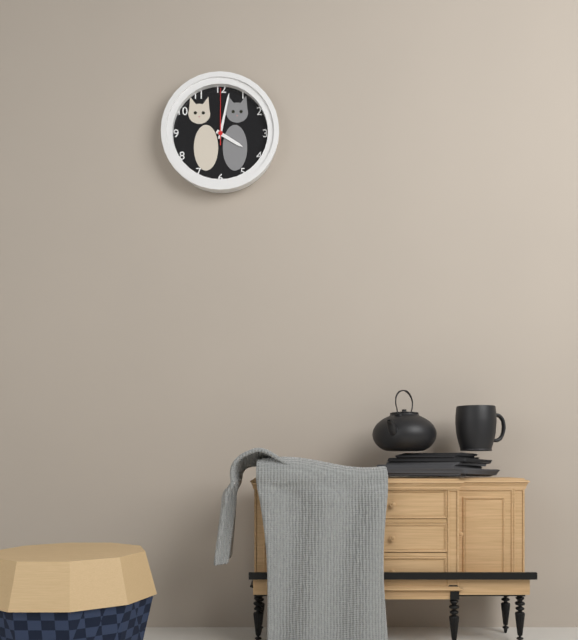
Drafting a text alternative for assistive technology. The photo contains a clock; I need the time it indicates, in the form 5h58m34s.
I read 4h02m00s
